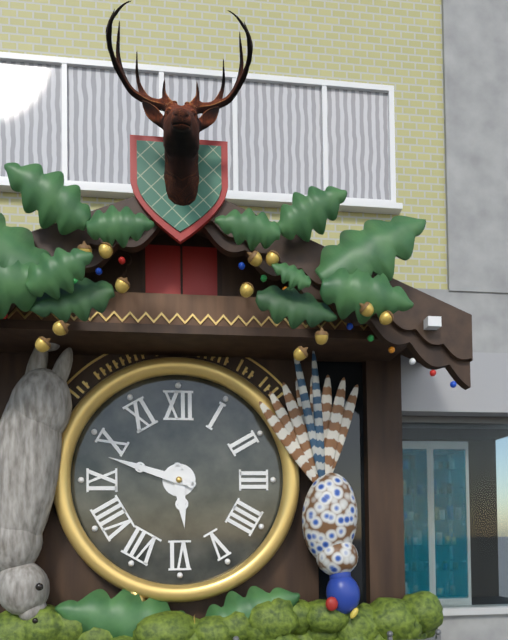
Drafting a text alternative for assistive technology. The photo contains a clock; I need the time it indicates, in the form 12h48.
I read 5h48
